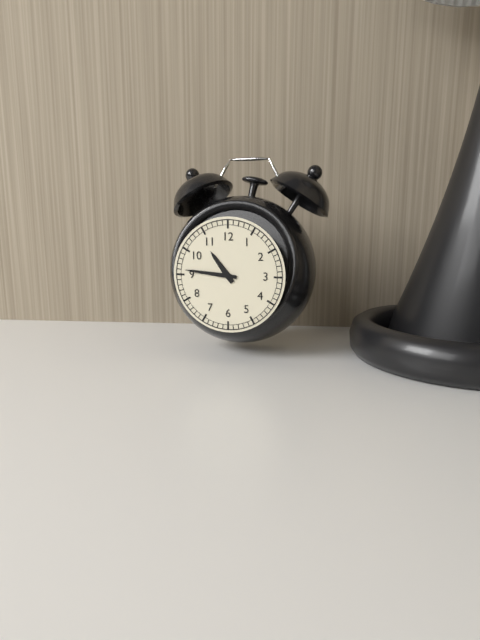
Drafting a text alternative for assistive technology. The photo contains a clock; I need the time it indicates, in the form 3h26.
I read 10h46
